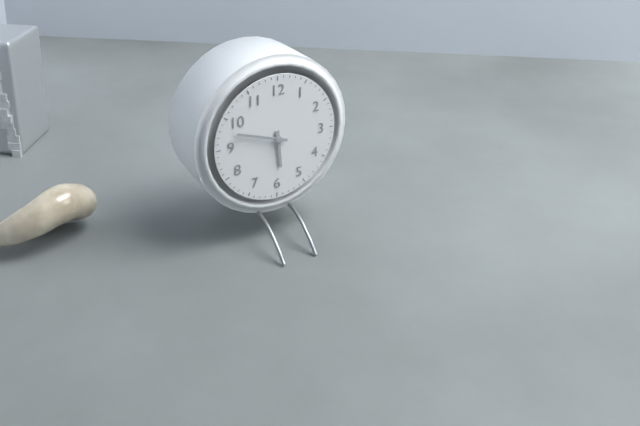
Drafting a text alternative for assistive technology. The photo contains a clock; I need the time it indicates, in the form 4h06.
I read 5h48
